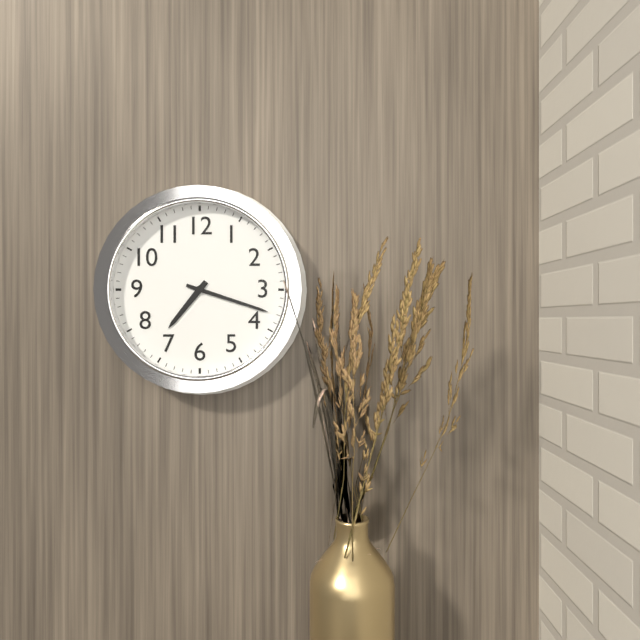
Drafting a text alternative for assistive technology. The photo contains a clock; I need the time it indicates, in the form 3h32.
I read 7h18
